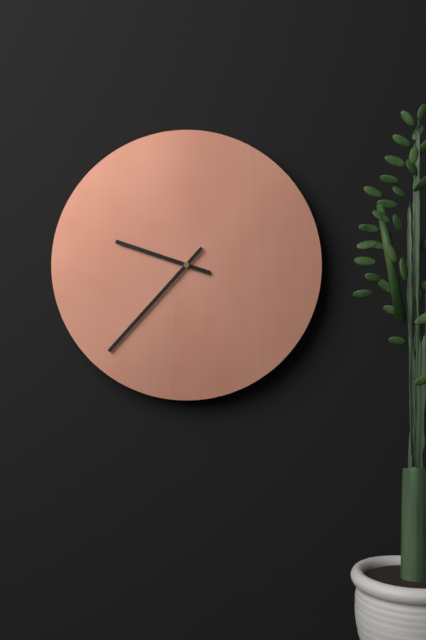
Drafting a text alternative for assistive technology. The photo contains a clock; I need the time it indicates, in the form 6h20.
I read 9h37
